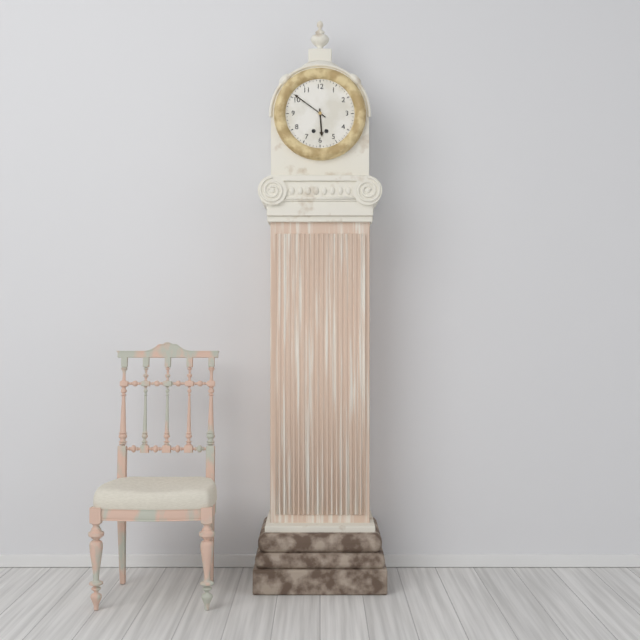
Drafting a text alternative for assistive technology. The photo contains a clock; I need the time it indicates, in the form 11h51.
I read 5h51
